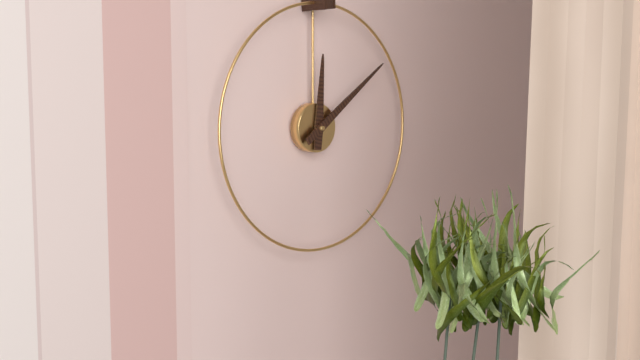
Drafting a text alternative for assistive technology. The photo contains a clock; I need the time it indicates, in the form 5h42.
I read 12h09
